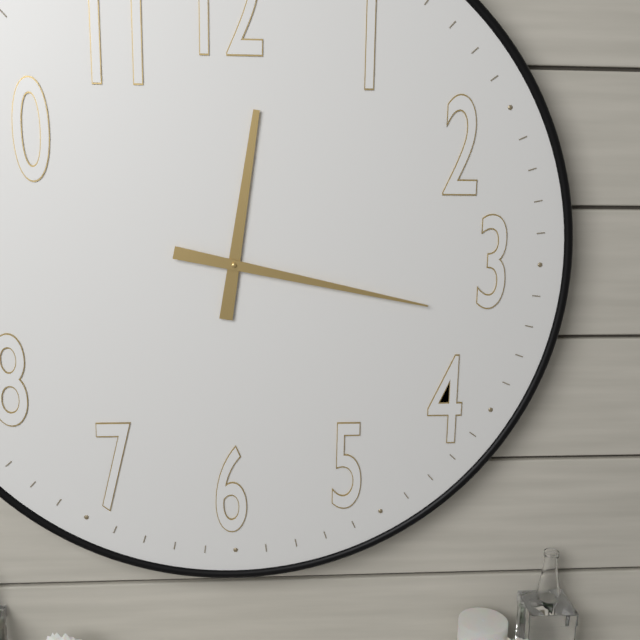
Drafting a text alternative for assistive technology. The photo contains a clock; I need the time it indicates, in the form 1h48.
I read 12h17
